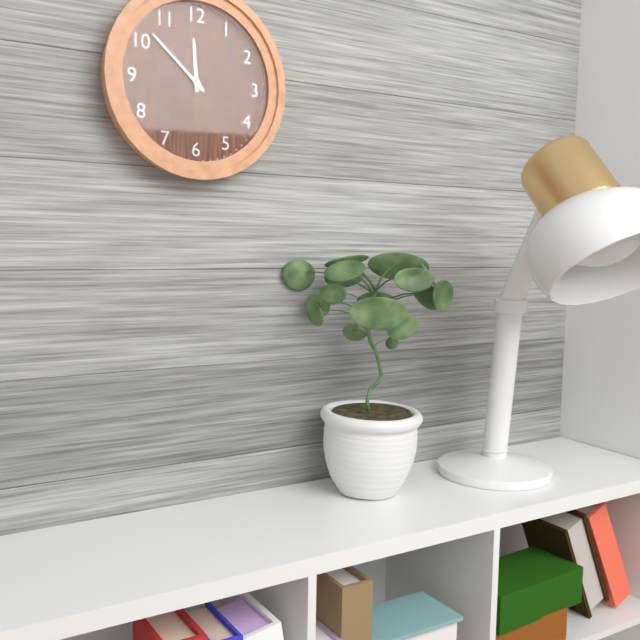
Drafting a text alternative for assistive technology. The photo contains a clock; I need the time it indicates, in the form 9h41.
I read 11h52
